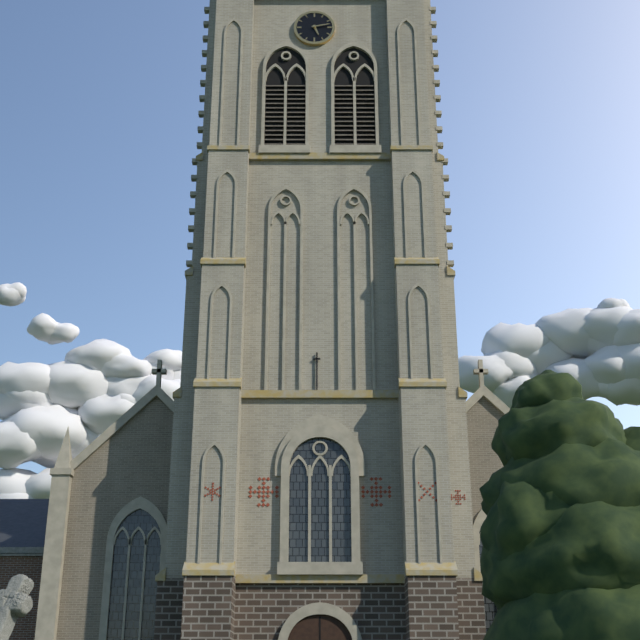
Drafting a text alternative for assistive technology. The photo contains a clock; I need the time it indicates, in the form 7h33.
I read 5h13
